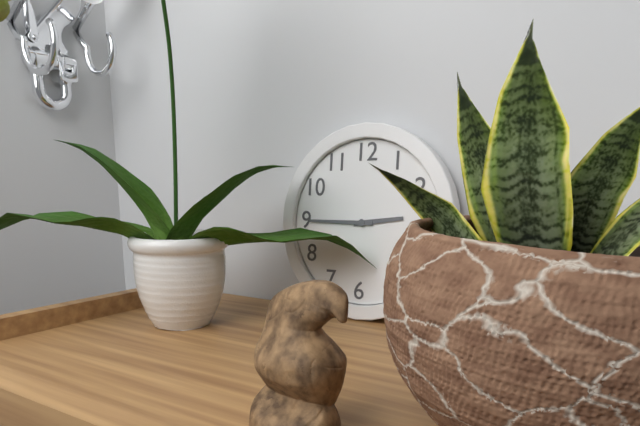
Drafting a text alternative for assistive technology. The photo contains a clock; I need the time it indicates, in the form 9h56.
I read 2h45
